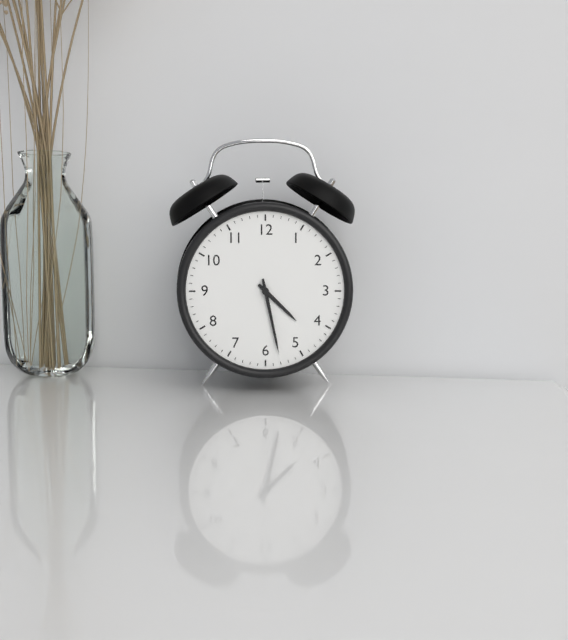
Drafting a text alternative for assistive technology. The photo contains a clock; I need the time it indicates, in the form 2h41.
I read 4h28
